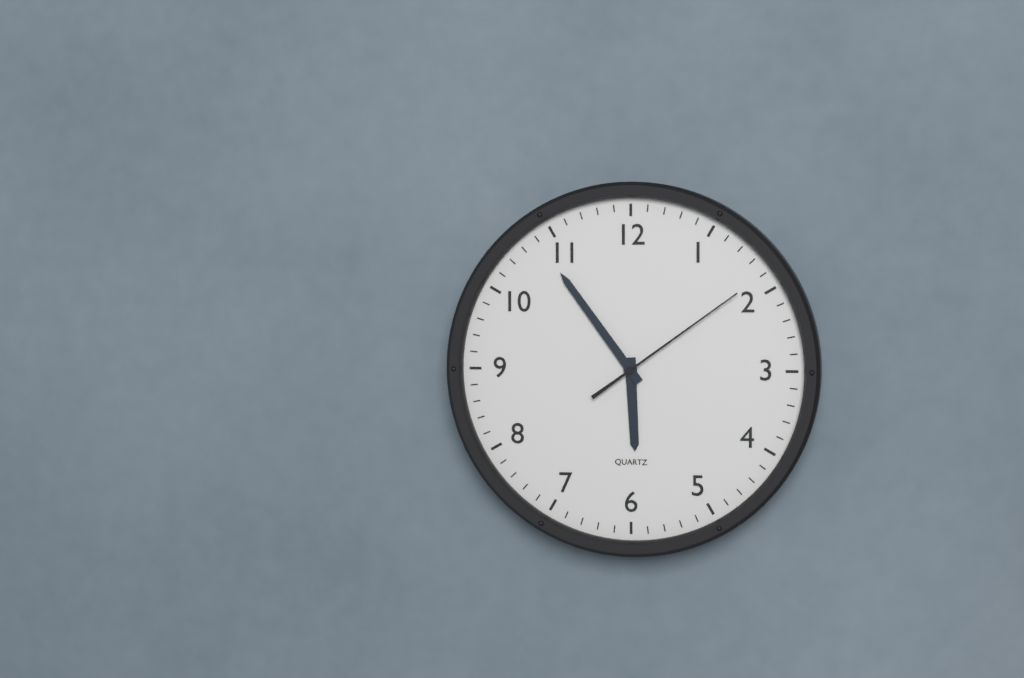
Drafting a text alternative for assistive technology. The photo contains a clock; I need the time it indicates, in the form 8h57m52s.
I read 5h54m09s
